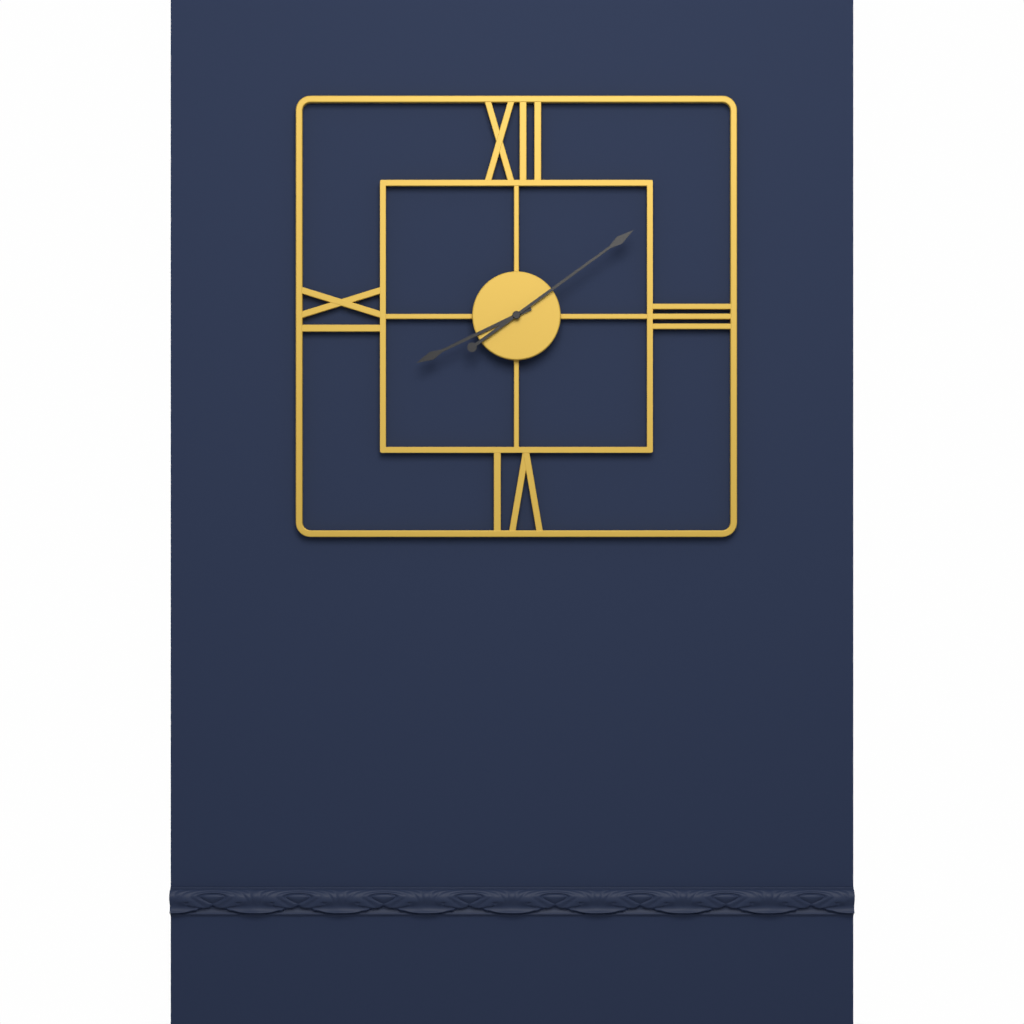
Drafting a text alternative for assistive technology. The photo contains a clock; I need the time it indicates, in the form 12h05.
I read 8h09
